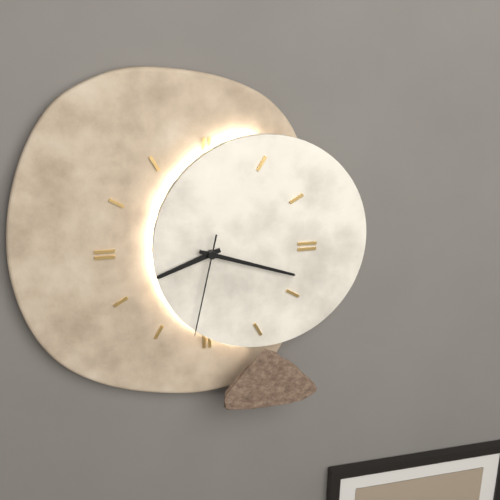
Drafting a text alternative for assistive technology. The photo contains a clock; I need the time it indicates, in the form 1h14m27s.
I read 8h18m32s
